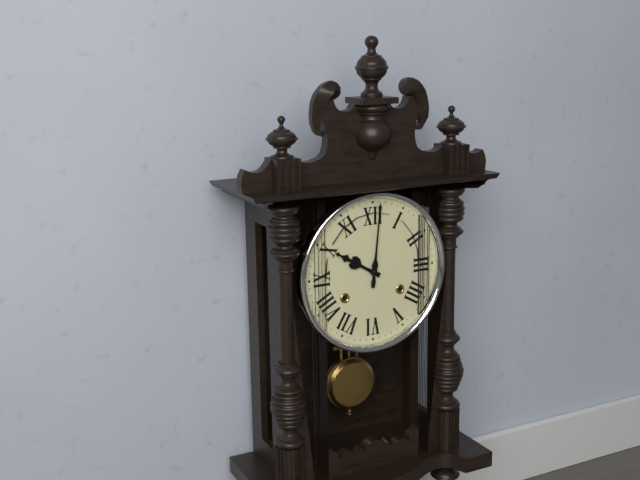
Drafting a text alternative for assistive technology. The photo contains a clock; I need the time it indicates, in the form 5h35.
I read 10h01
